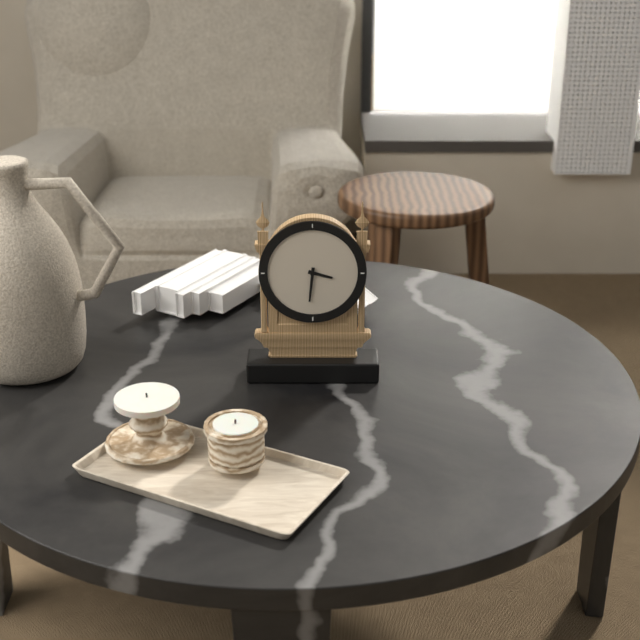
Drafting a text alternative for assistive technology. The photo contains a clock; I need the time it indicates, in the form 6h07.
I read 3h31
